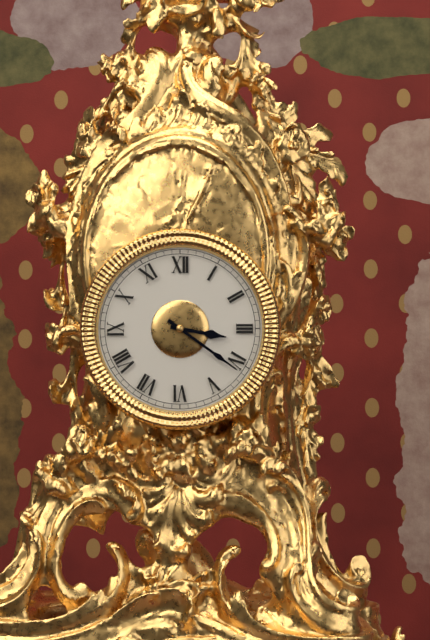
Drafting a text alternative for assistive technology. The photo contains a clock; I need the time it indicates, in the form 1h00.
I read 3h21
